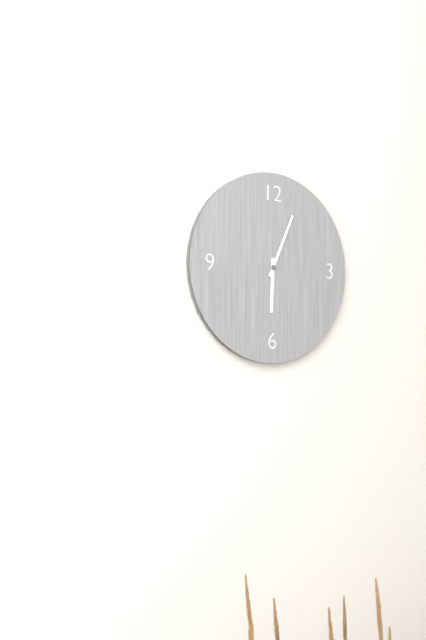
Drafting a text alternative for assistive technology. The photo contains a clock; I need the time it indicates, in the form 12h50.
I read 6h04
